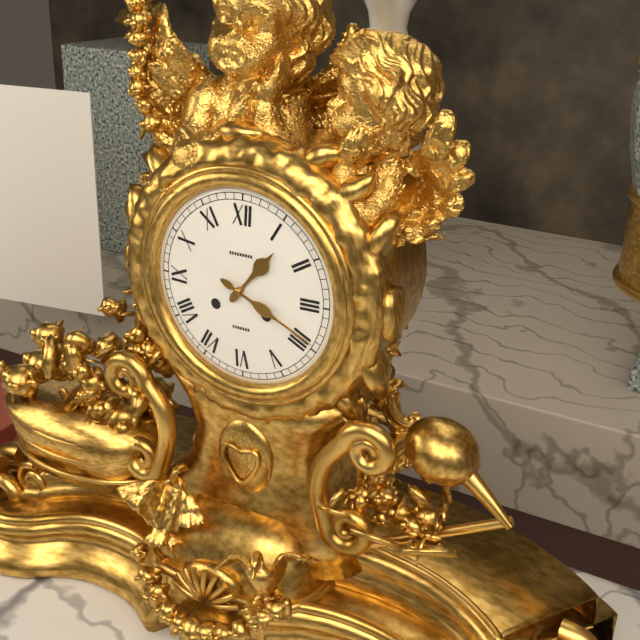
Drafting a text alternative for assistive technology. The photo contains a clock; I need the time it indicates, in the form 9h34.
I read 1h19
